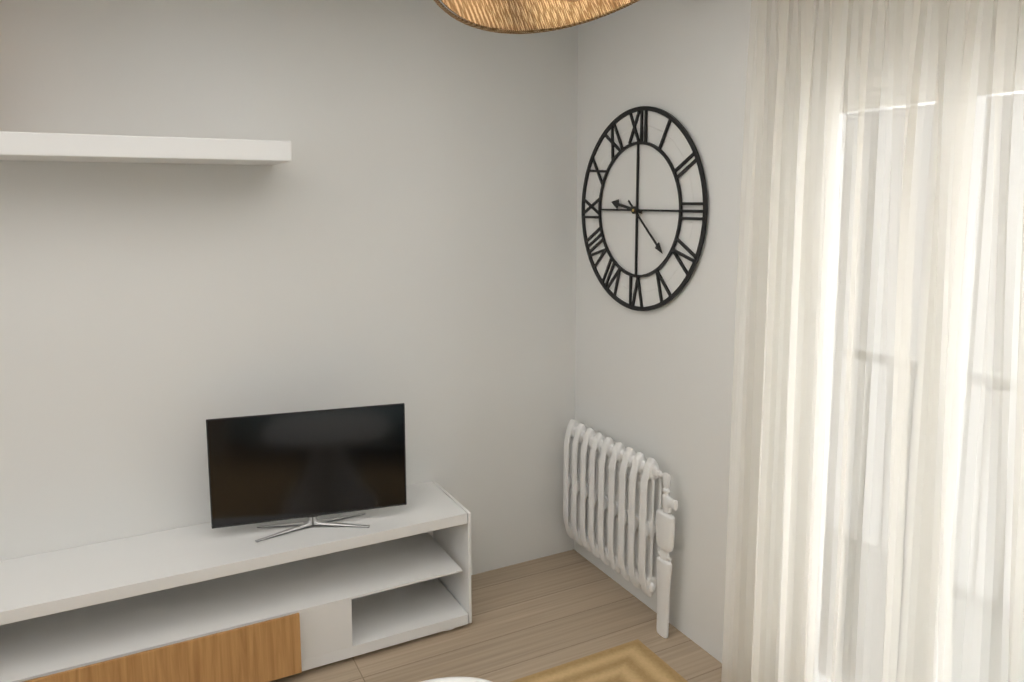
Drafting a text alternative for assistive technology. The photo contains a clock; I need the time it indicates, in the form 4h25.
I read 9h22
